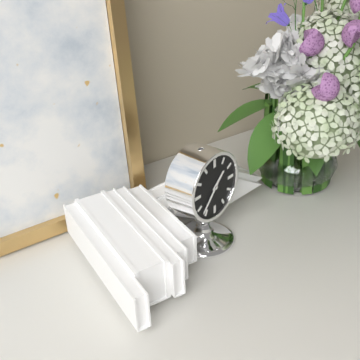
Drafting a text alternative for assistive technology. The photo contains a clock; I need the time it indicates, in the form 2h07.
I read 1h37
